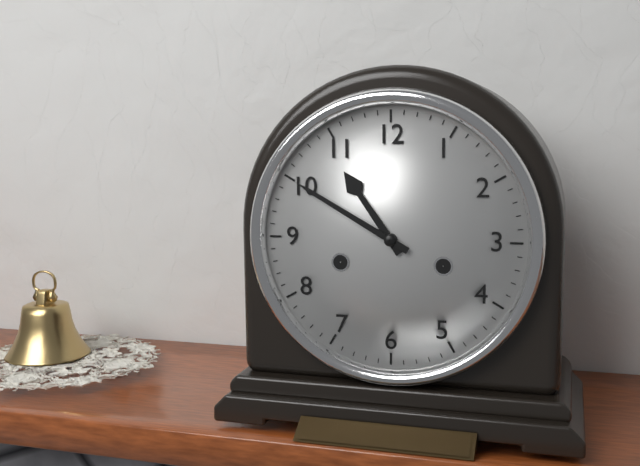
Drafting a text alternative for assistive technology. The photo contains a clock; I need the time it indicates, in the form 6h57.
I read 10h50
